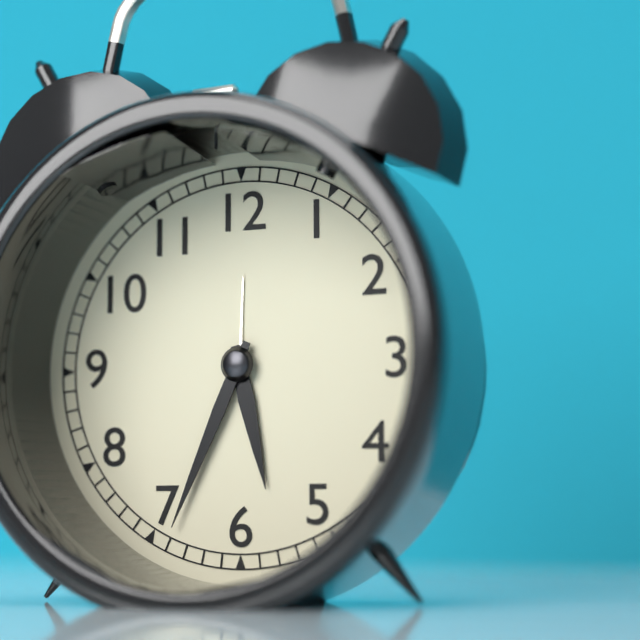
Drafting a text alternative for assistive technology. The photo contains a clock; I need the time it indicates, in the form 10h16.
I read 5h34
